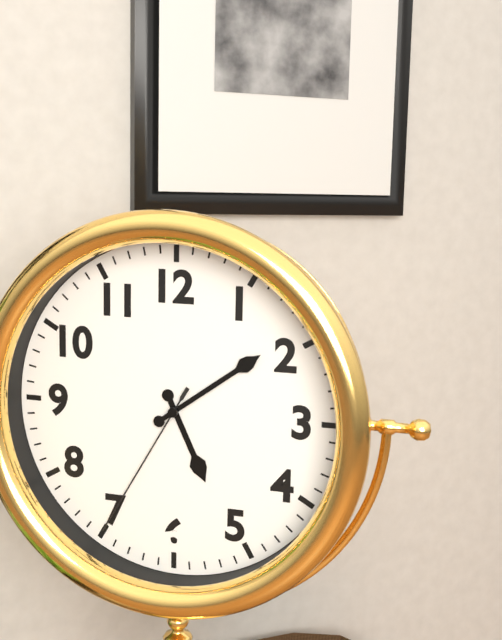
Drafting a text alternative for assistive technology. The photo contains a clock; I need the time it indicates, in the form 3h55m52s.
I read 5h09m35s
